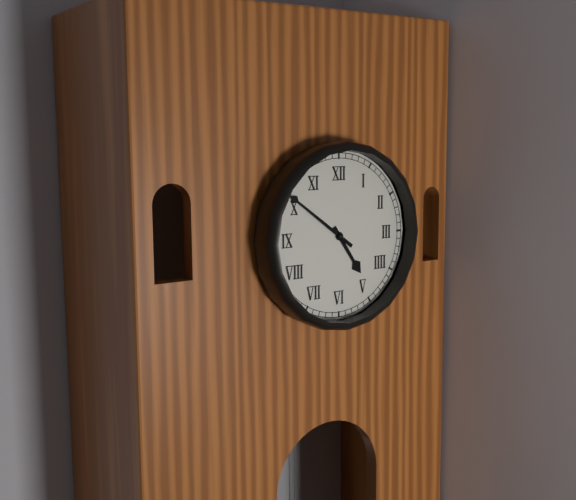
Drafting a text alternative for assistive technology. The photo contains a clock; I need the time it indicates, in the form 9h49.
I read 4h51
